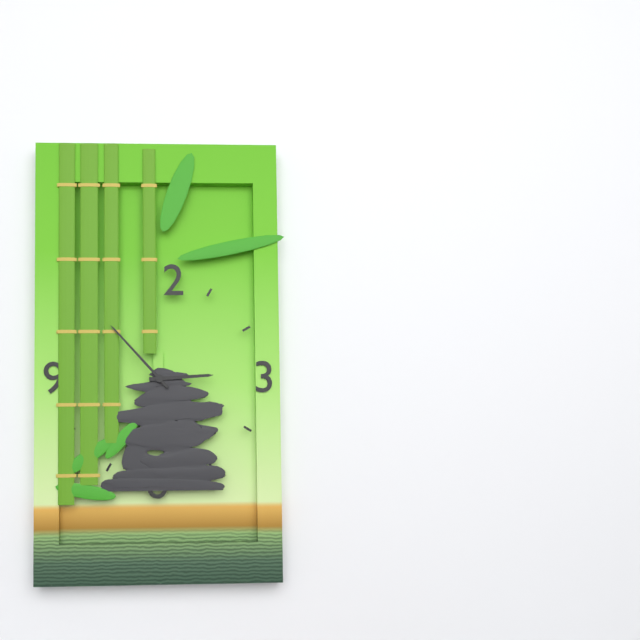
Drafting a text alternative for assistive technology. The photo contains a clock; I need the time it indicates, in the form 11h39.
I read 2h53
